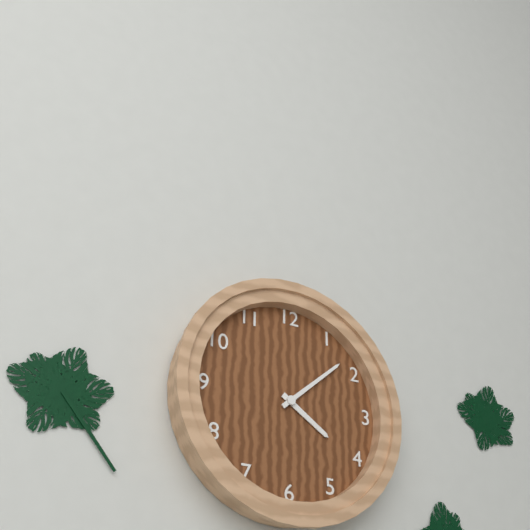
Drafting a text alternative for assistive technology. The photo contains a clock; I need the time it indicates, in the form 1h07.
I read 4h08
